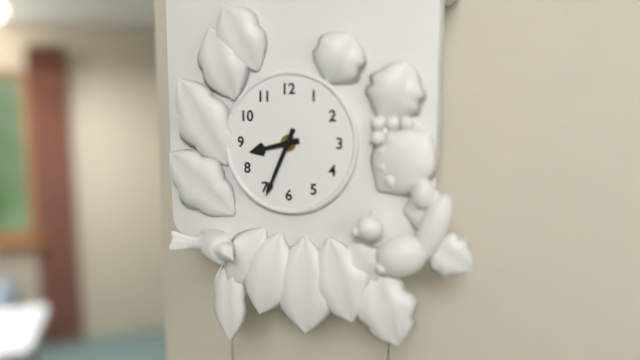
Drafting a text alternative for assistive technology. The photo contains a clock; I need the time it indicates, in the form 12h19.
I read 8h34
